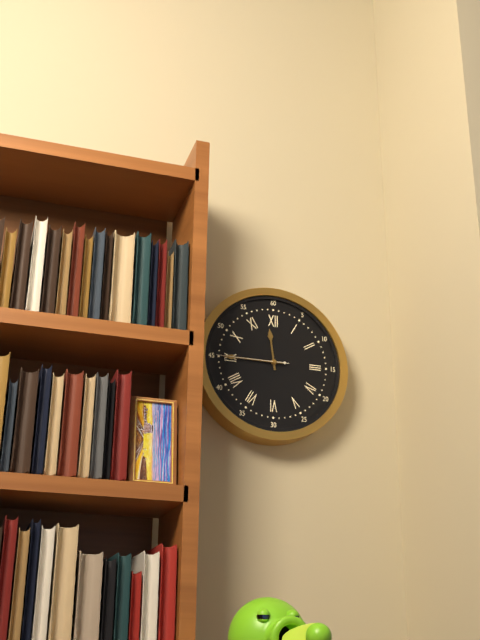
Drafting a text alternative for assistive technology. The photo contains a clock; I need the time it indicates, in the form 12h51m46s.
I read 11h45m45s
